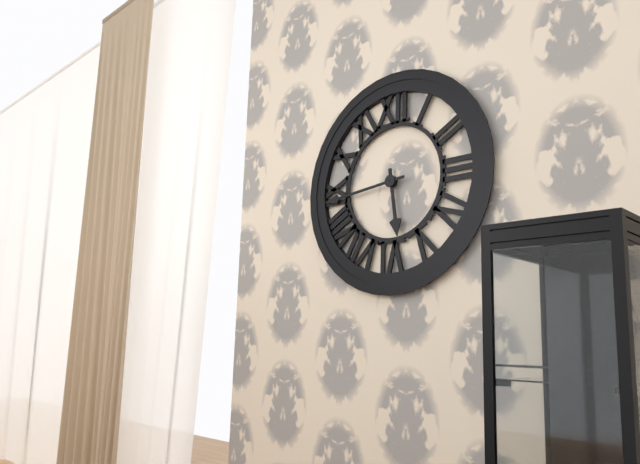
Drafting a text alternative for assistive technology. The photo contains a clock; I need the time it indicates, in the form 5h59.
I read 5h44
